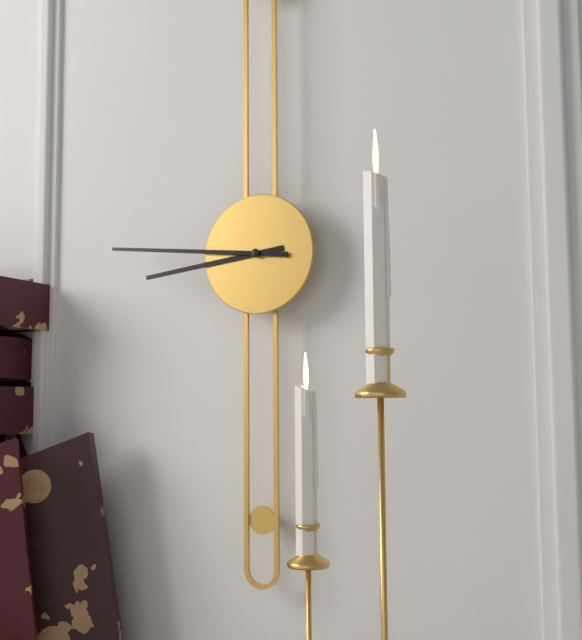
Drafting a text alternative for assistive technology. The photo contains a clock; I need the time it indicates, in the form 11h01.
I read 8h46
